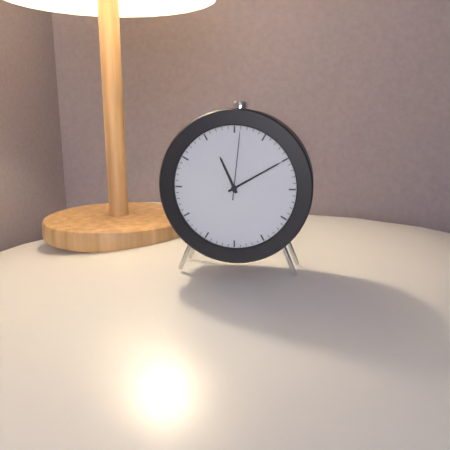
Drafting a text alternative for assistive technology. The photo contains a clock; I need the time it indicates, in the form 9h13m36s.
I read 11h10m01s
